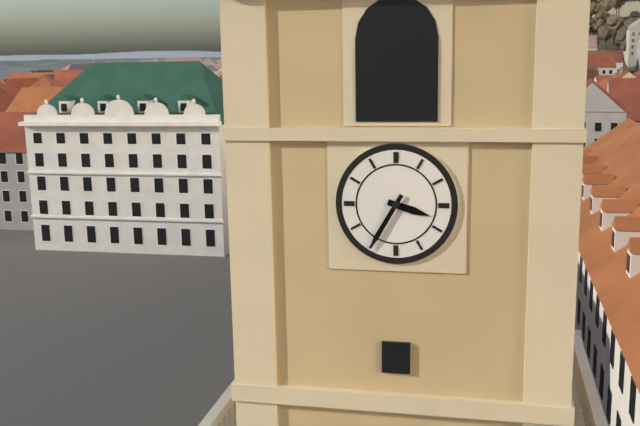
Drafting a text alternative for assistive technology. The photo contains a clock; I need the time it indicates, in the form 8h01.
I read 3h35
